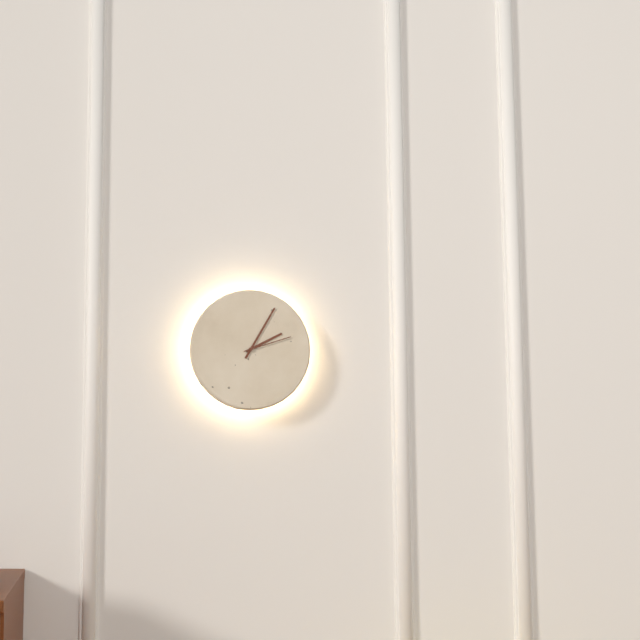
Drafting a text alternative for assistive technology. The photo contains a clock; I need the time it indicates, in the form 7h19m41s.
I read 2h05m12s
